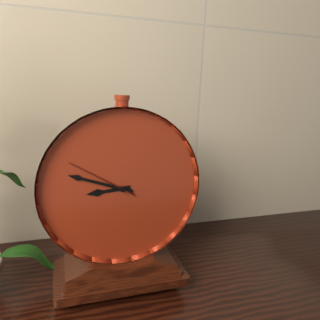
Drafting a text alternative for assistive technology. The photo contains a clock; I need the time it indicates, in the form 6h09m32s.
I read 8h48m50s
